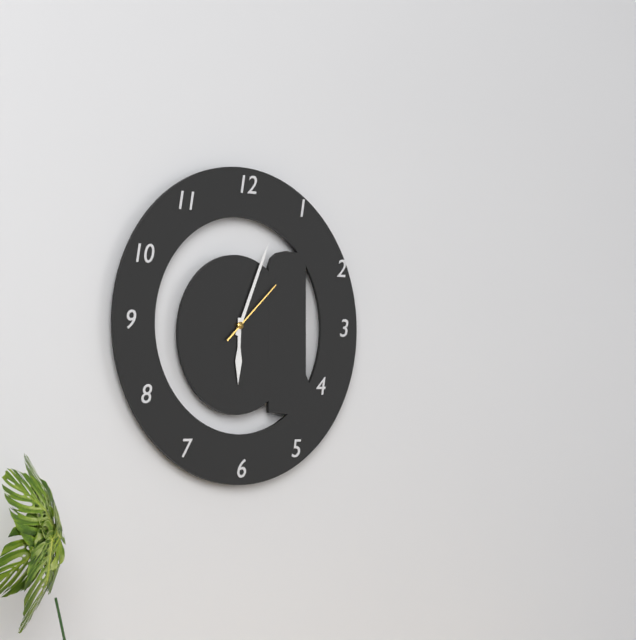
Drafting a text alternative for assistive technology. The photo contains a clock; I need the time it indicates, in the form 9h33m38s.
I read 6h04m08s
